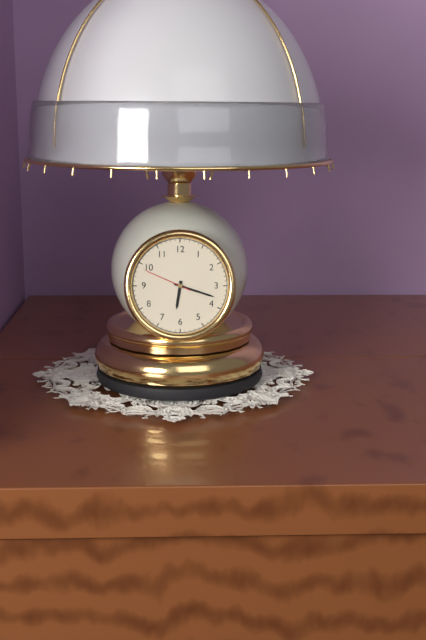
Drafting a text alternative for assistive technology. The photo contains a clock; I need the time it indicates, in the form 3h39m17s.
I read 6h18m49s
